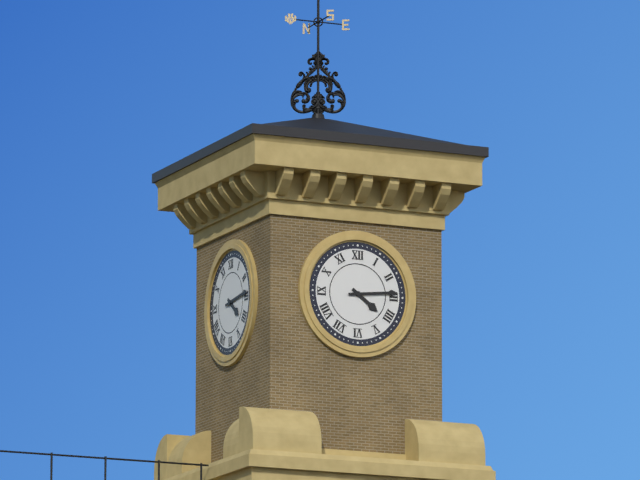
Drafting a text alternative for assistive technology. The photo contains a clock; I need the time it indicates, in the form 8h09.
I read 4h14
